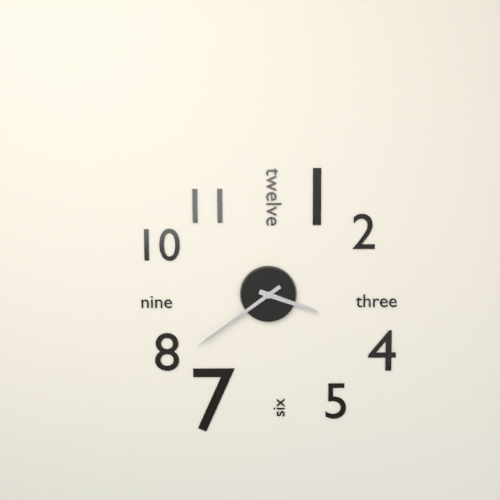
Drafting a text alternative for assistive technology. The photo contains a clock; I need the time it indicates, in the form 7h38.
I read 3h39
